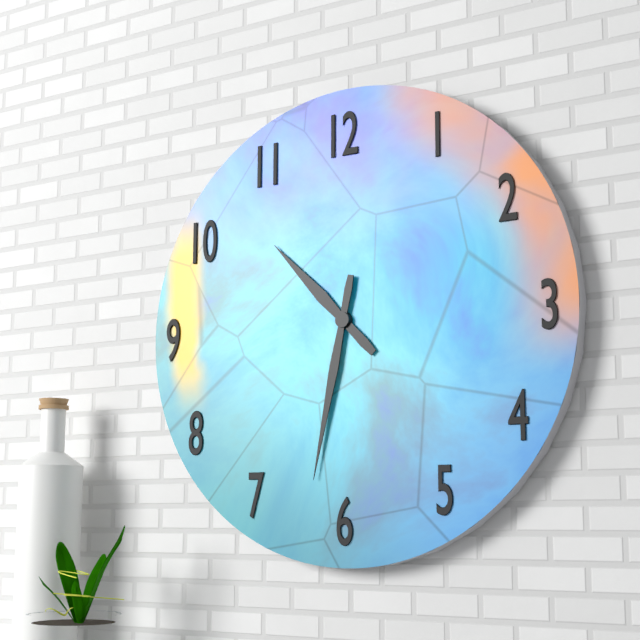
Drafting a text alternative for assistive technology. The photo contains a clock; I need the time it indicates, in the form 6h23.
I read 10h32
